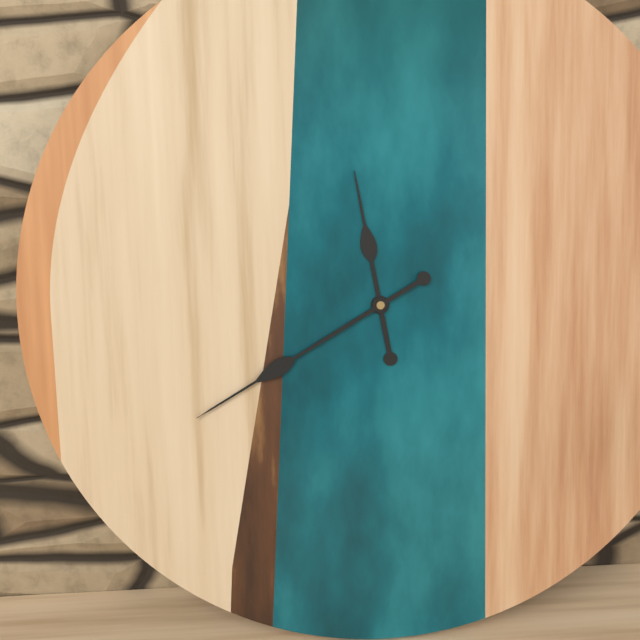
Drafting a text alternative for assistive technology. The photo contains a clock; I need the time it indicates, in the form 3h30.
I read 11h40
